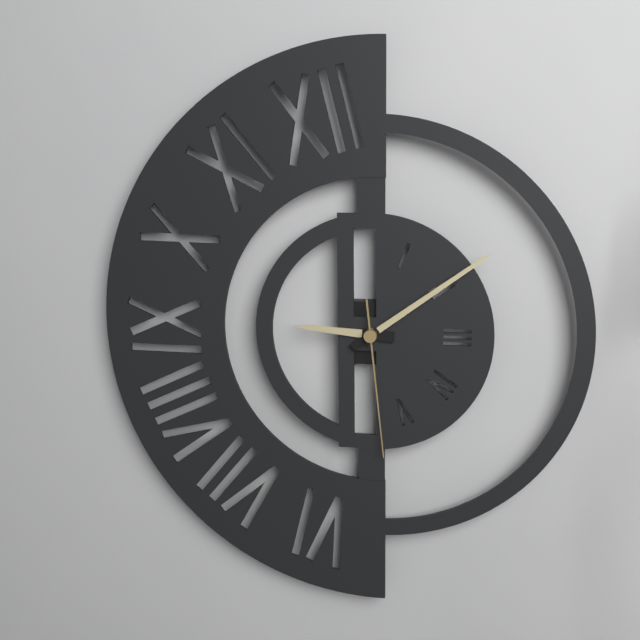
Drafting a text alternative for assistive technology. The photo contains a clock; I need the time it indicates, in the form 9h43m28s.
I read 9h09m29s
